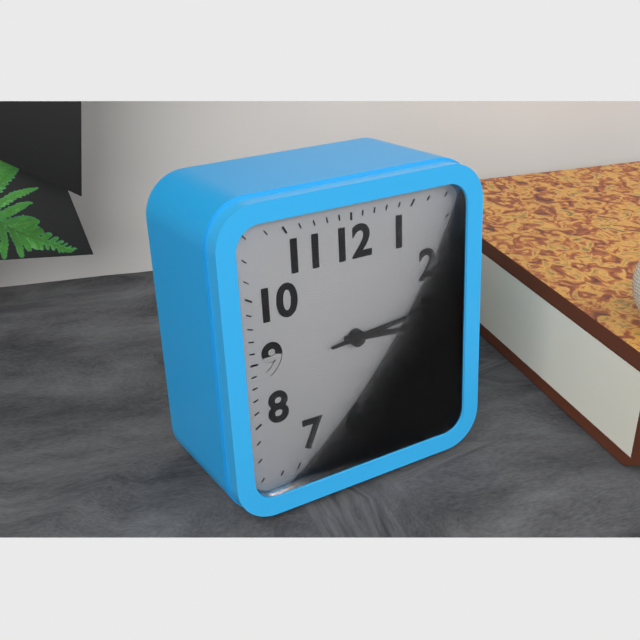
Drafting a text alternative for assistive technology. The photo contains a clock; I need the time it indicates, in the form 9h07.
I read 3h14
